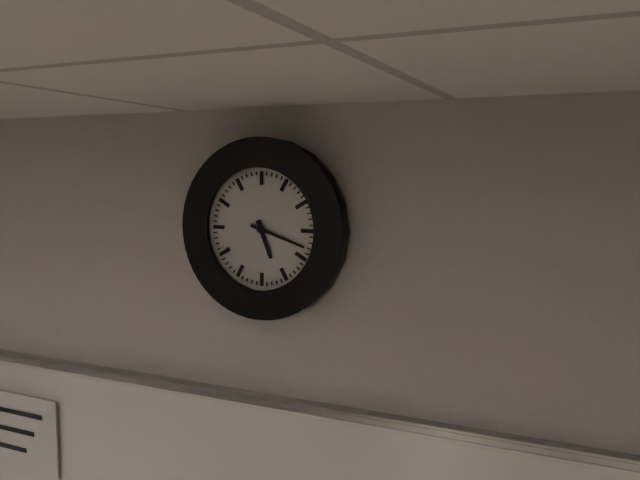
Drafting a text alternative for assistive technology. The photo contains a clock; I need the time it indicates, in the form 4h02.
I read 5h18
